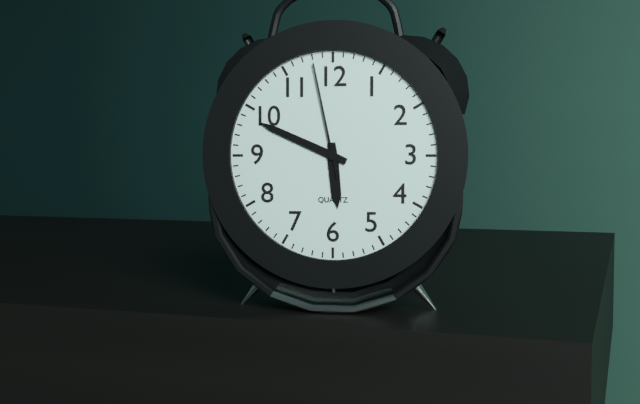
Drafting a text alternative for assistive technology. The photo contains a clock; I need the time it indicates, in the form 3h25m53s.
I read 5h49m58s
